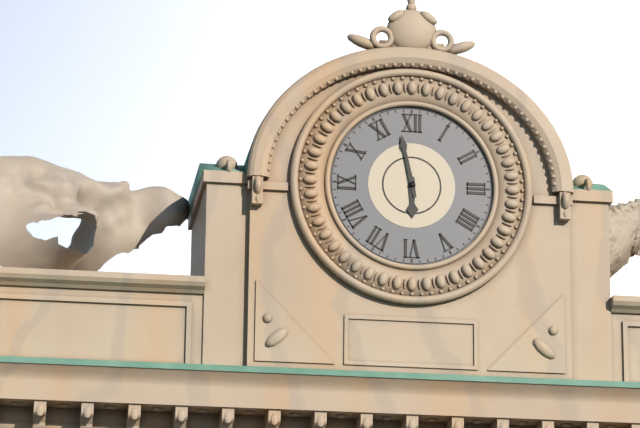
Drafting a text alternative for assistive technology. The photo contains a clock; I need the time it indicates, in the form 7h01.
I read 5h58
